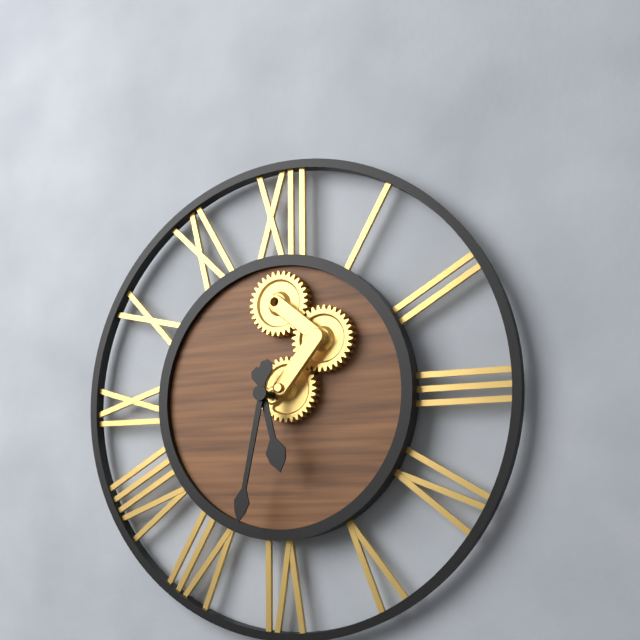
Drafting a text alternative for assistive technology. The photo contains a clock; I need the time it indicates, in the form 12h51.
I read 5h32
